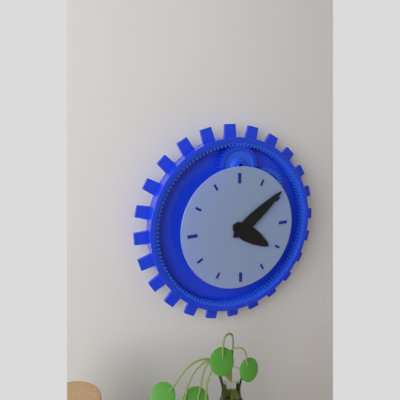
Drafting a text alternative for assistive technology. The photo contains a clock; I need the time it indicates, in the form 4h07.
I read 4h09
